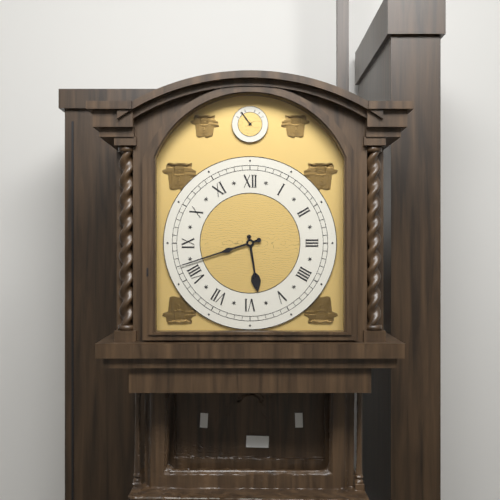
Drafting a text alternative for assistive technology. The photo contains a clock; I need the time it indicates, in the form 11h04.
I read 5h42
